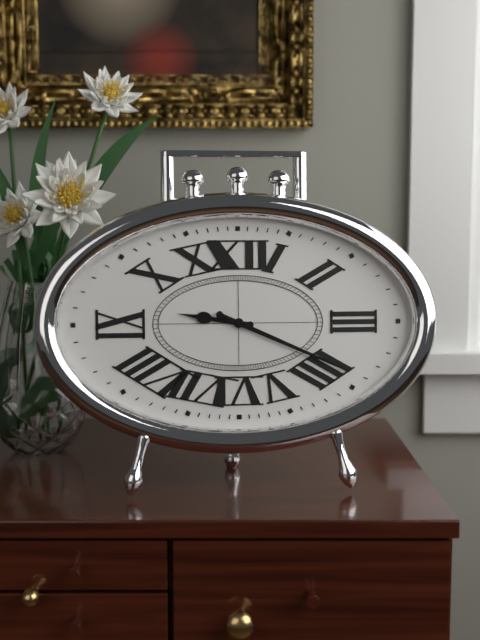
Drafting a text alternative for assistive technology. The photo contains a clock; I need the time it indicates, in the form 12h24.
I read 9h19
